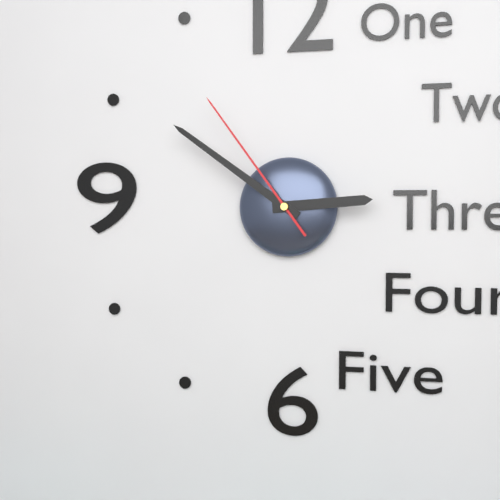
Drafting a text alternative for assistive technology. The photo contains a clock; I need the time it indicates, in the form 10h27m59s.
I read 2h51m54s
